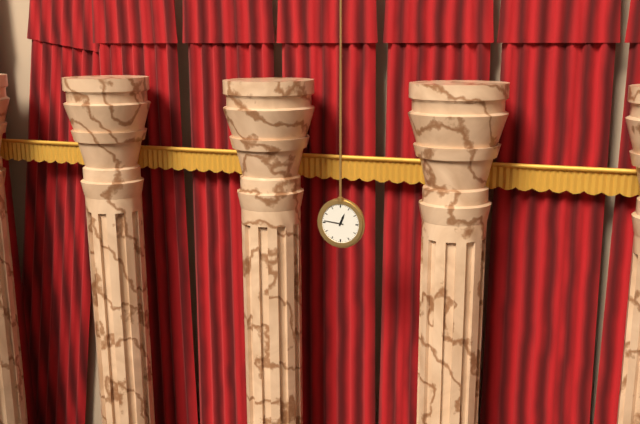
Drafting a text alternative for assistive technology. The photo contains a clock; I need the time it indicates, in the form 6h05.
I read 12h46
